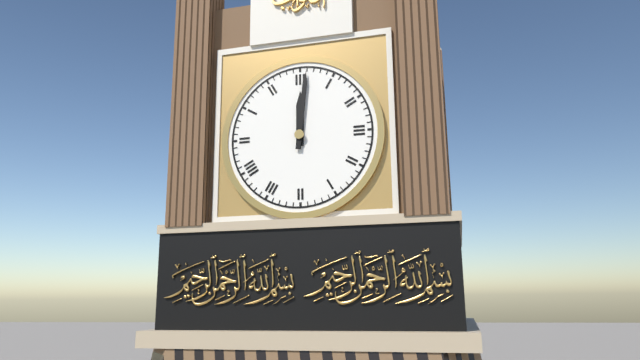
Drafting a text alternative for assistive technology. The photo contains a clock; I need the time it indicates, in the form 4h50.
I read 12h01
